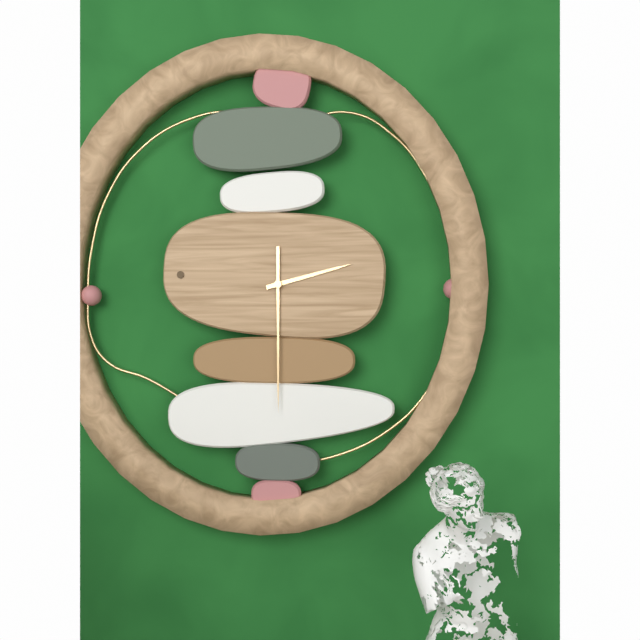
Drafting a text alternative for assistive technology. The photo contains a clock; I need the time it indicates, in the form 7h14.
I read 2h30
